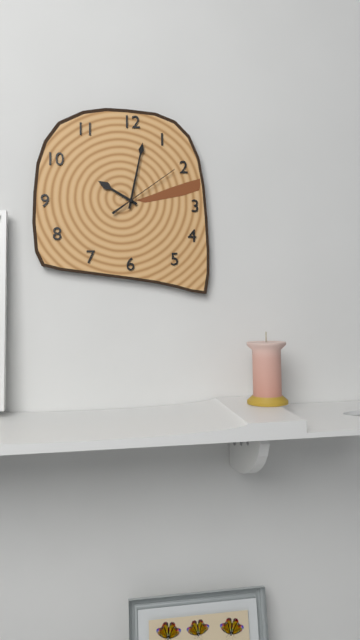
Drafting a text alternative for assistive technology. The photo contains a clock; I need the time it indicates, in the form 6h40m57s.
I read 10h02m09s
